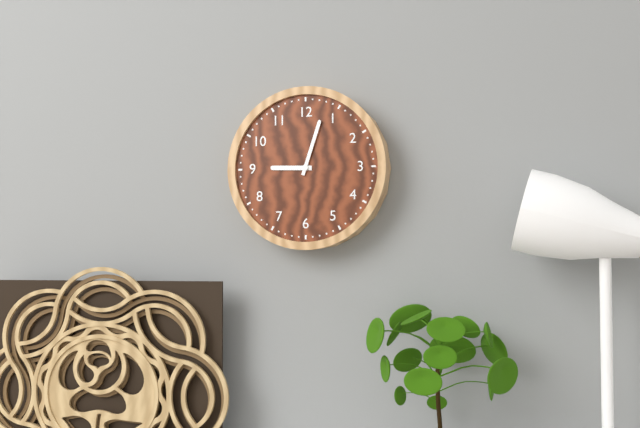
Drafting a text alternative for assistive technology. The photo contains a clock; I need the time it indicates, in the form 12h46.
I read 9h03
